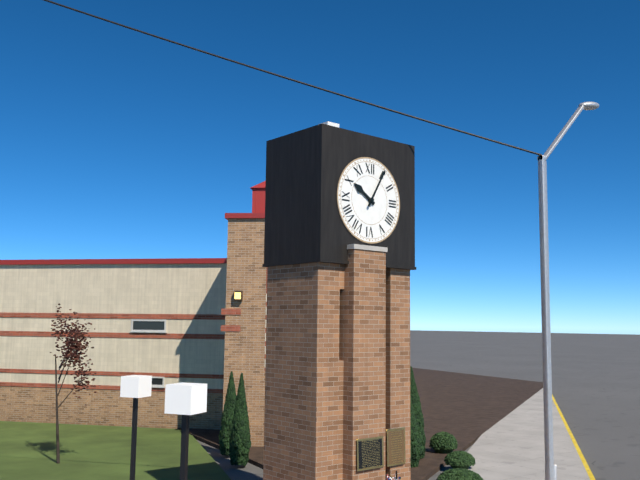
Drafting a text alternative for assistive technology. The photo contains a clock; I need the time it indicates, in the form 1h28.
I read 10h05
